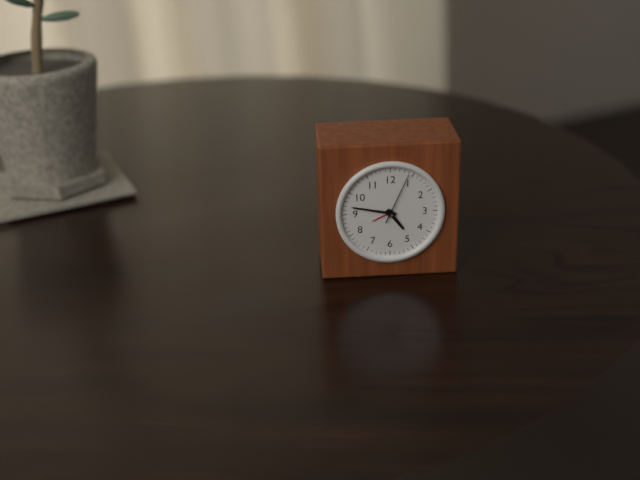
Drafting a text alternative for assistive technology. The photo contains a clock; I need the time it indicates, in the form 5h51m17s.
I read 4h47m04s
